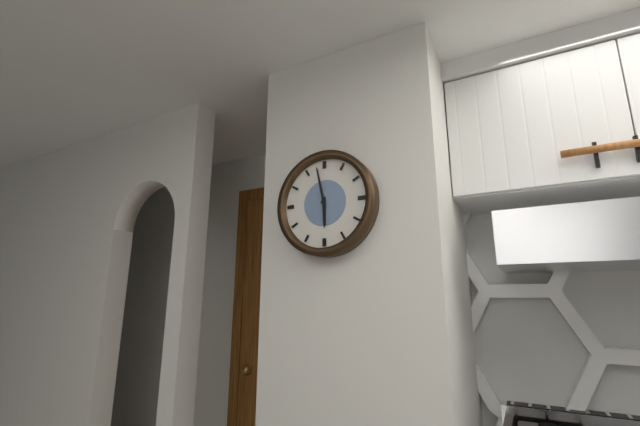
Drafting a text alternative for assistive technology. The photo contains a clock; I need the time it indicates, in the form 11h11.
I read 5h58
